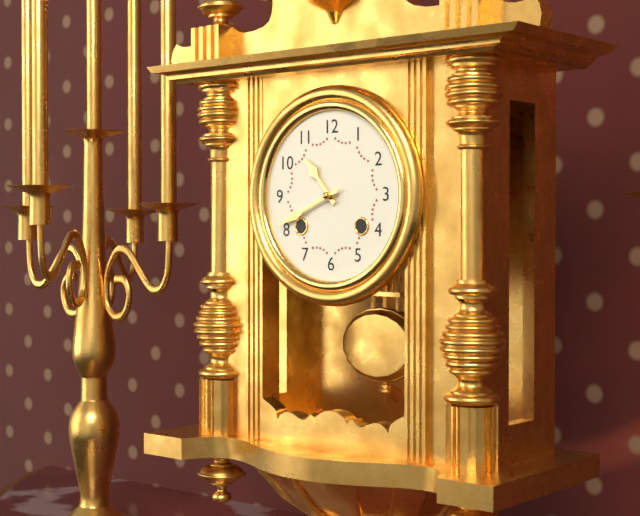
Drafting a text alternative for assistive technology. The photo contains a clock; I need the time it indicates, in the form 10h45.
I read 10h41
